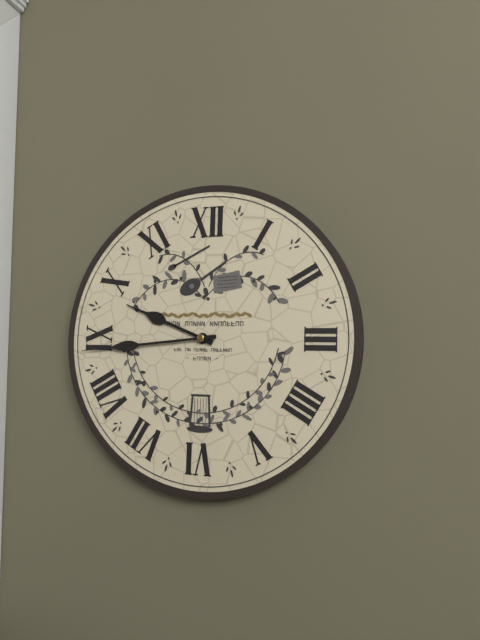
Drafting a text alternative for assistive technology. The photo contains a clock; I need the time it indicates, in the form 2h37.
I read 9h44
